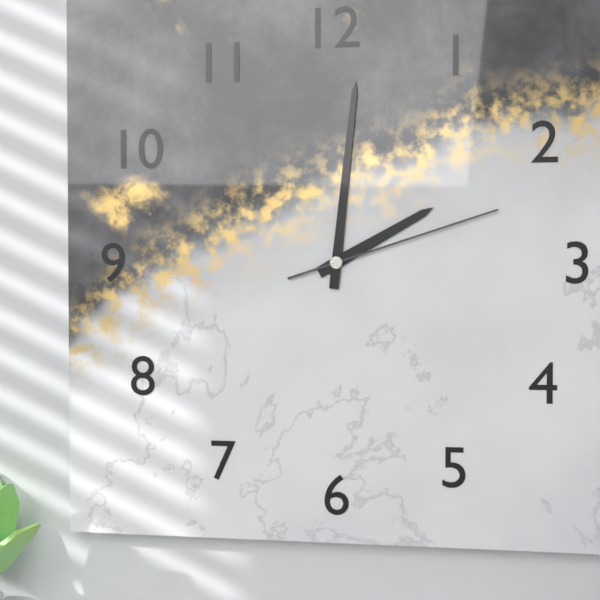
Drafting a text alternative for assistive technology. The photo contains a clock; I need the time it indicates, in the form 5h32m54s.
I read 2h01m12s
